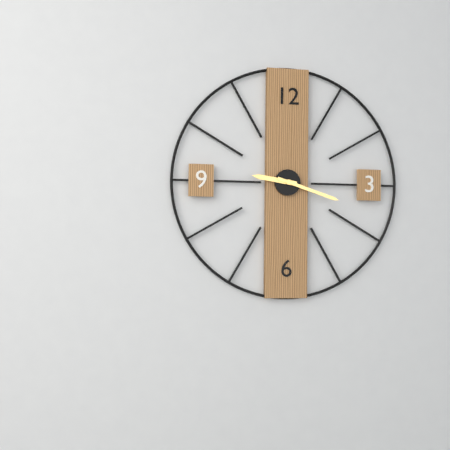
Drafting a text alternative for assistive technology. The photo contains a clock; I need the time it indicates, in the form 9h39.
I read 9h18
